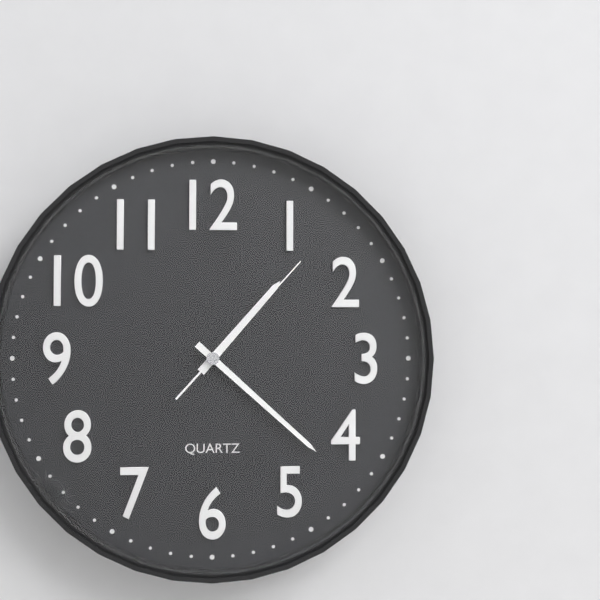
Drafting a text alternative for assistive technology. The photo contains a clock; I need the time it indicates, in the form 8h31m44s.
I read 1h22m07s
